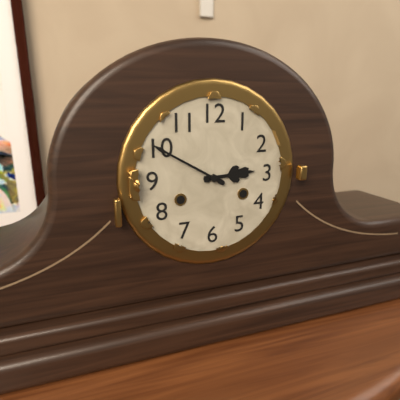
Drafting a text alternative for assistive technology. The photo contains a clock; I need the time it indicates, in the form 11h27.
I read 2h50
